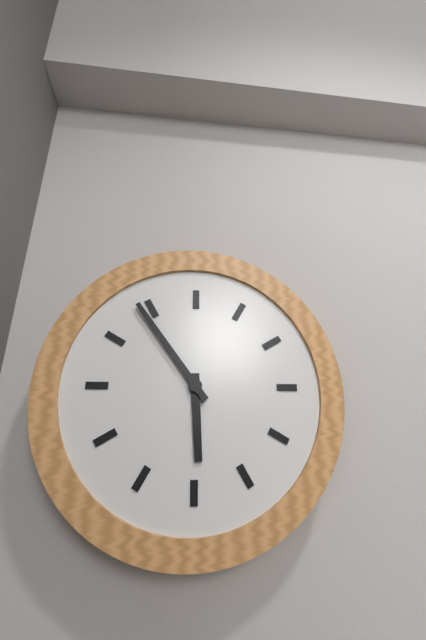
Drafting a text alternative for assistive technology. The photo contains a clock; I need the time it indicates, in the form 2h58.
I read 5h54
